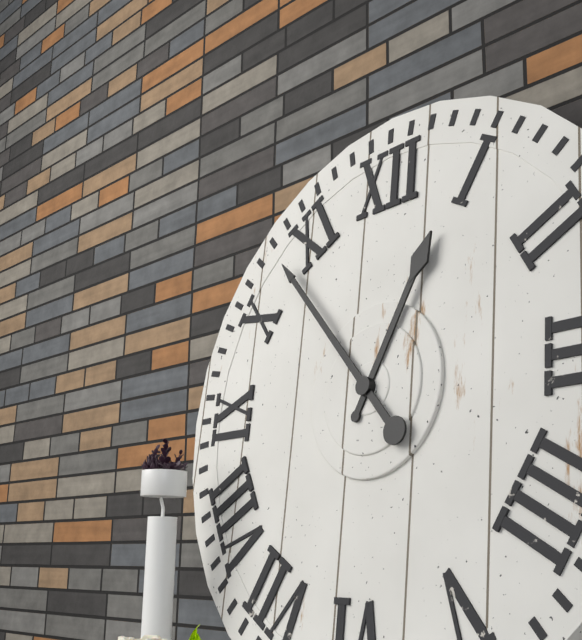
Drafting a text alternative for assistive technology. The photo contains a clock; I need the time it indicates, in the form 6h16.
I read 12h53
